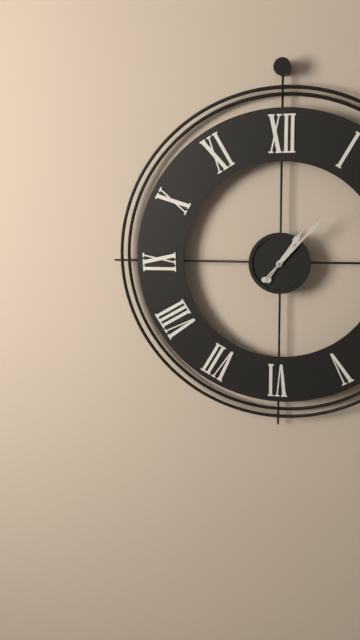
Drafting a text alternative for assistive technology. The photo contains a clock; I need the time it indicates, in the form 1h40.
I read 1h07
